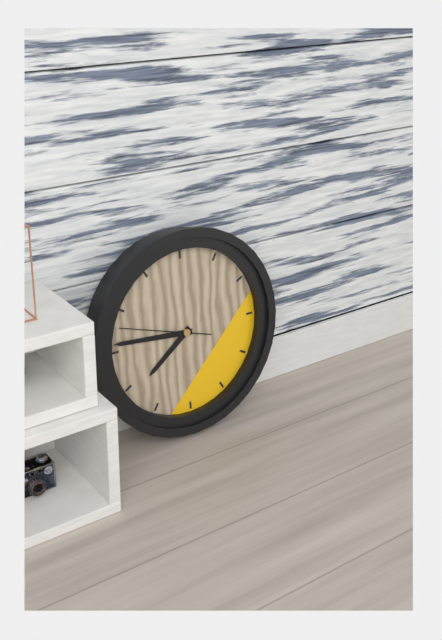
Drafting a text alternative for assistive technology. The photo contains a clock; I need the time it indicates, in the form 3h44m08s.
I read 7h46m48s
